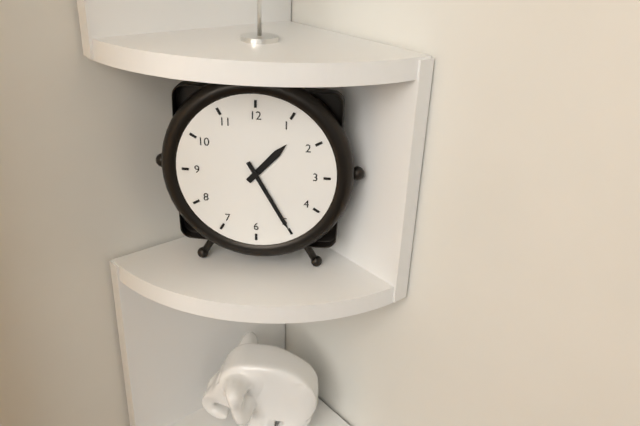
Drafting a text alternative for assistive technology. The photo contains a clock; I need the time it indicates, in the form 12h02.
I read 1h25
